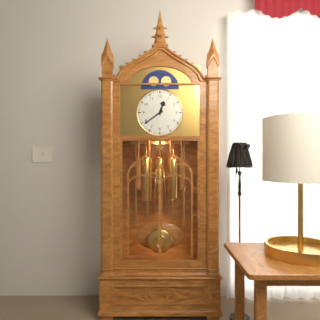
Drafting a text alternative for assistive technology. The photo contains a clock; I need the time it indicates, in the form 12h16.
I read 12h39
